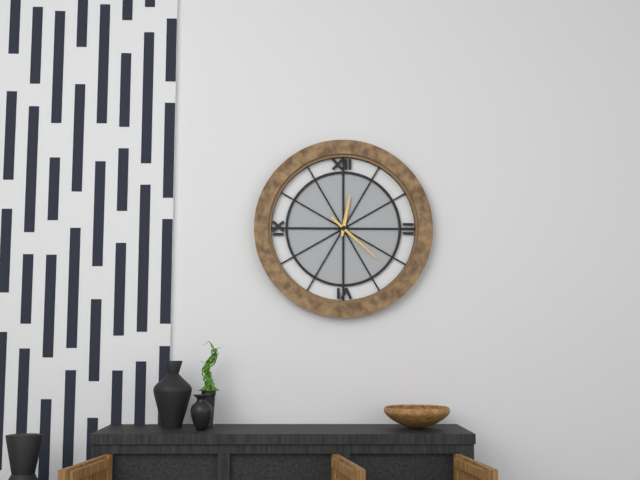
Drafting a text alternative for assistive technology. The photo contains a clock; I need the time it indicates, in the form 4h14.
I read 12h22
